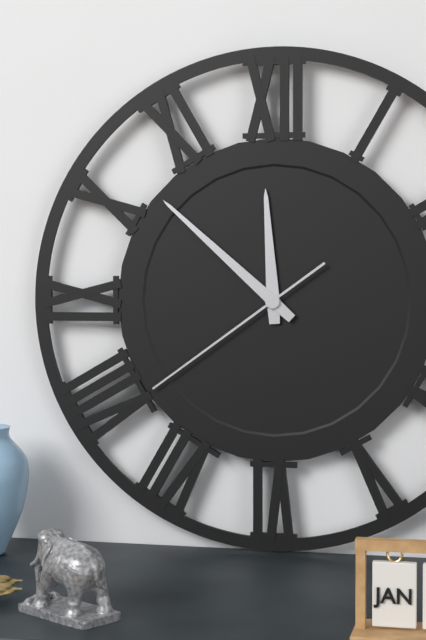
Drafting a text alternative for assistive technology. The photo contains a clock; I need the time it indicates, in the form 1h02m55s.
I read 11h52m39s
